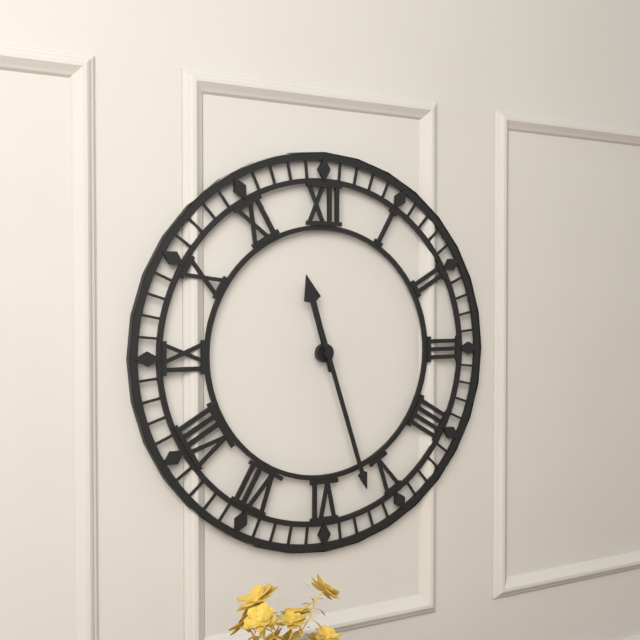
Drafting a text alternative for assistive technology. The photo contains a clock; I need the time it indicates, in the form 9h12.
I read 11h27
